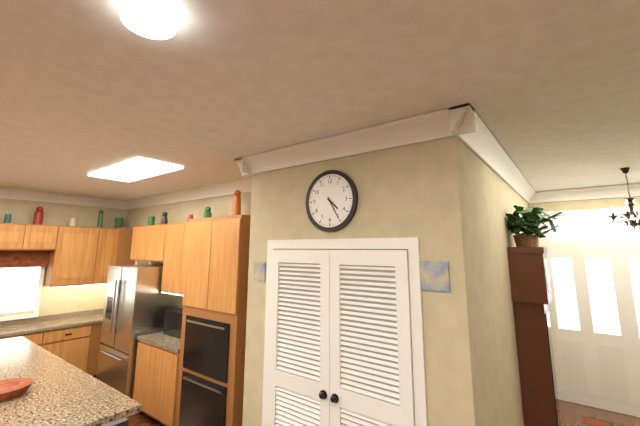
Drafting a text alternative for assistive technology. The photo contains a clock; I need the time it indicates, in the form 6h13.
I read 4h25
